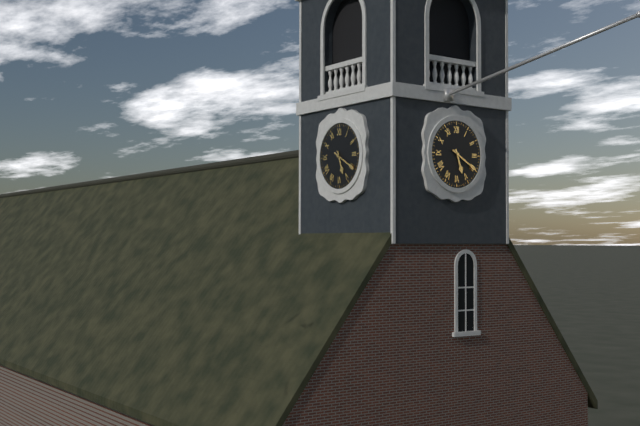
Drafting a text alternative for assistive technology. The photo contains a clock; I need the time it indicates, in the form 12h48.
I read 5h20
